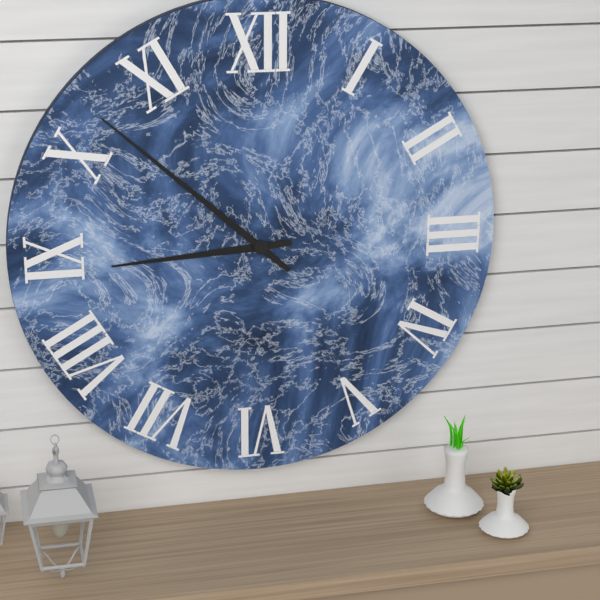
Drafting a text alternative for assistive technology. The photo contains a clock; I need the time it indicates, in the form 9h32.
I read 8h52
